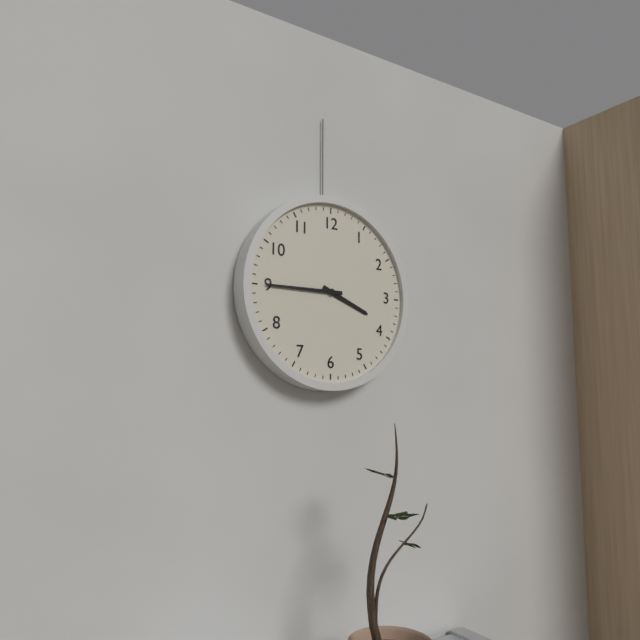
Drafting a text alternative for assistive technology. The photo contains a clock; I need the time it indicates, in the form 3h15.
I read 3h45
